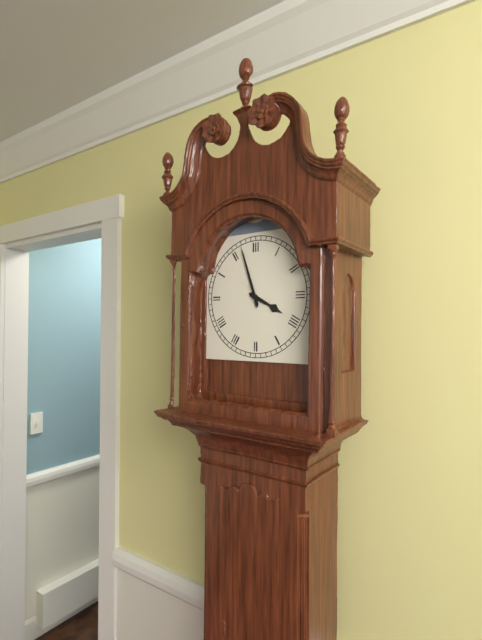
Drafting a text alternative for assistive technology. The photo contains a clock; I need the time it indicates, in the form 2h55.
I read 3h57
